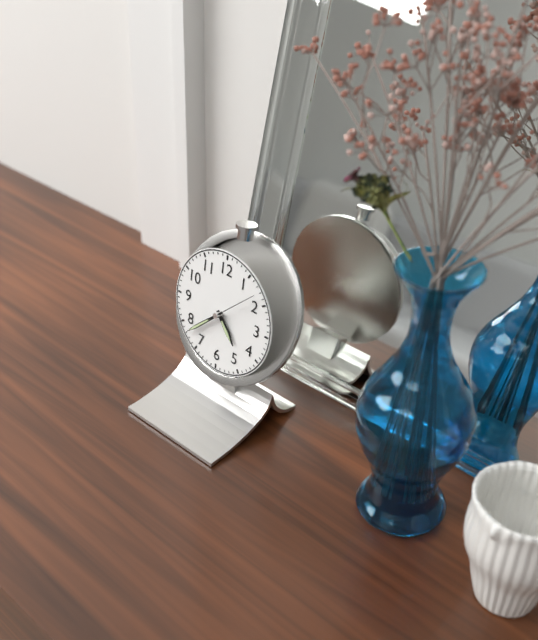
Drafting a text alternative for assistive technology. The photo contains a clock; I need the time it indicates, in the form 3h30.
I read 4h38
